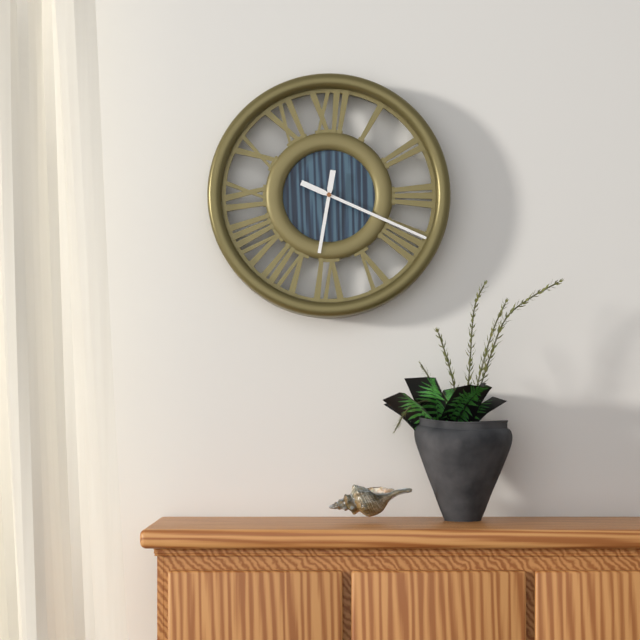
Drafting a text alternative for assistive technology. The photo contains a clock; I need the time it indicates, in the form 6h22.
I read 6h19
